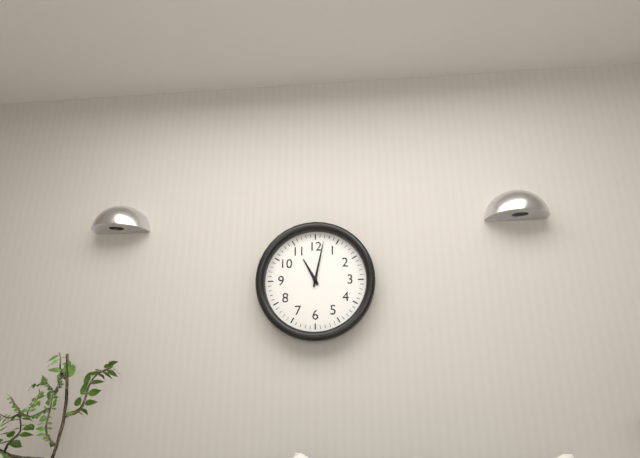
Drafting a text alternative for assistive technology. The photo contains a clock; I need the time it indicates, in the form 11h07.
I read 11h02
